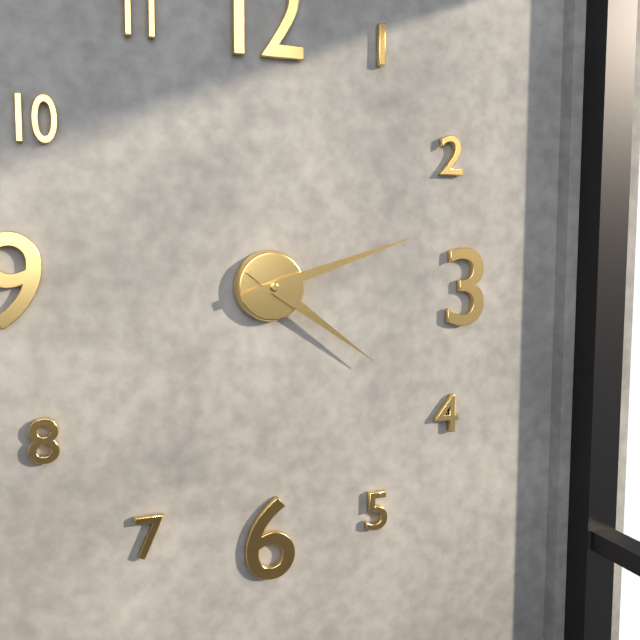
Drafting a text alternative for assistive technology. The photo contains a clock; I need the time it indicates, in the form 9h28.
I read 4h12
